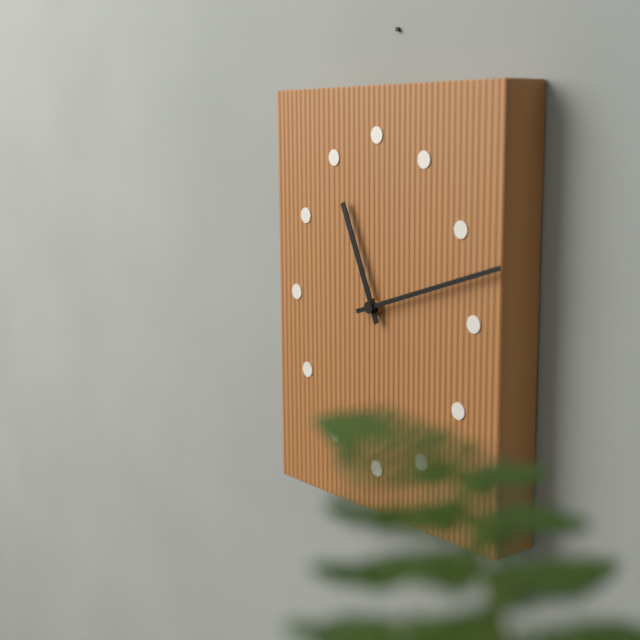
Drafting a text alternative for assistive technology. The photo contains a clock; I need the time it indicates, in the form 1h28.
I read 11h12
